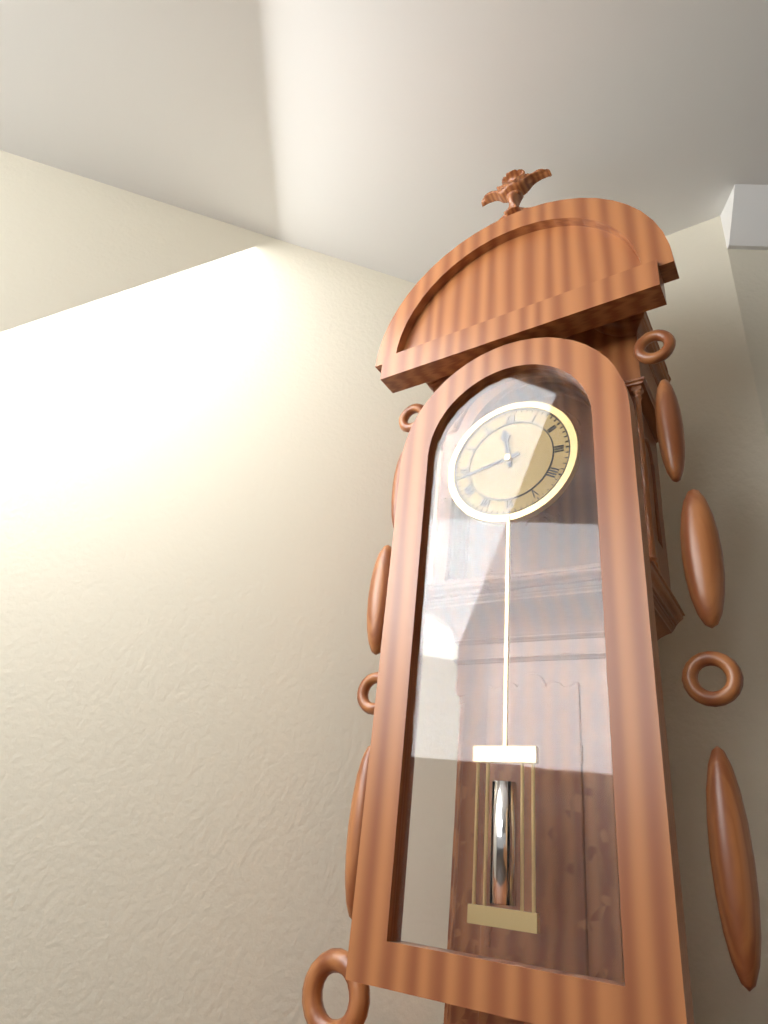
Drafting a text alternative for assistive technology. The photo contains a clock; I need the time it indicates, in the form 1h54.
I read 11h43
